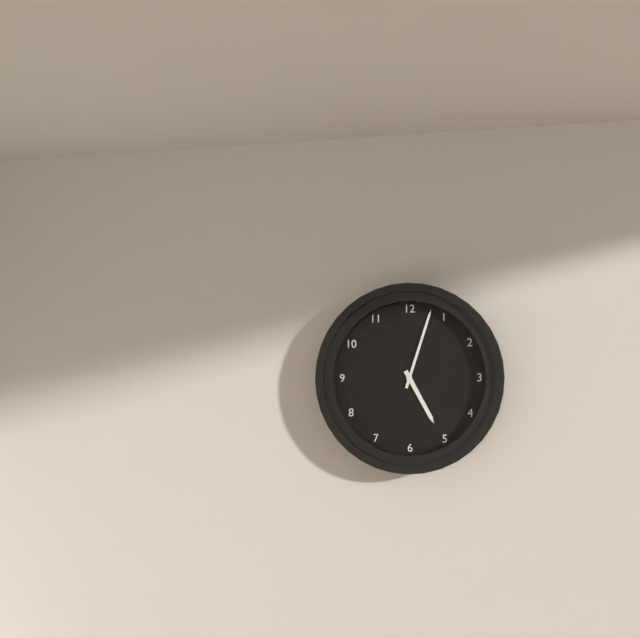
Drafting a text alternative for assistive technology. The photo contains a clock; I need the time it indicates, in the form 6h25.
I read 5h03
